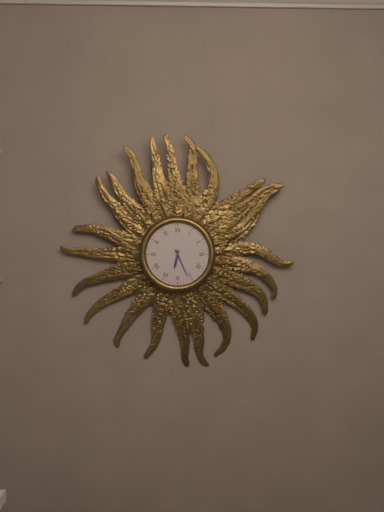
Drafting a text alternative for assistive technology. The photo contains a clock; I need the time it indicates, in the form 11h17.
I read 6h26
